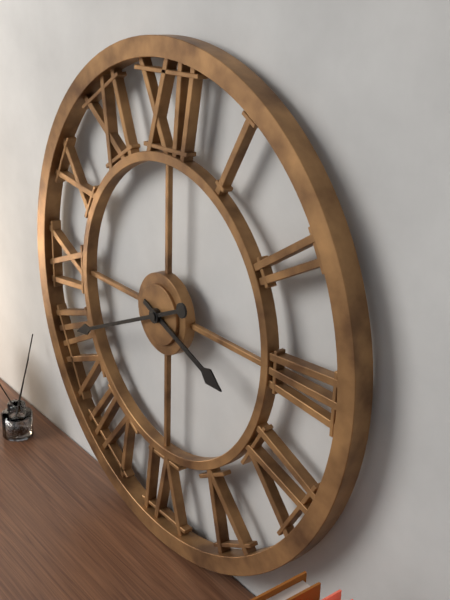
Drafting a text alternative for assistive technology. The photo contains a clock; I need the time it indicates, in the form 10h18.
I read 3h41
